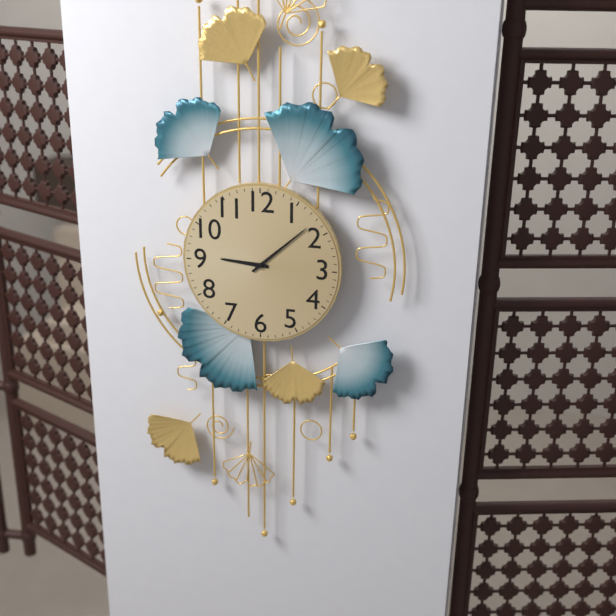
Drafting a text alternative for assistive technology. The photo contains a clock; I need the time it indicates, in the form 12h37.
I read 9h08
